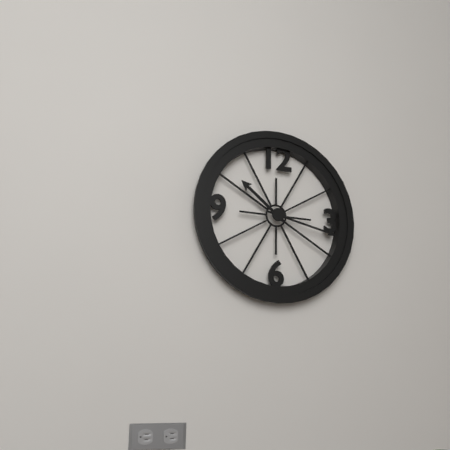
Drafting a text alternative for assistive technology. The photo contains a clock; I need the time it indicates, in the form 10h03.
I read 10h17
